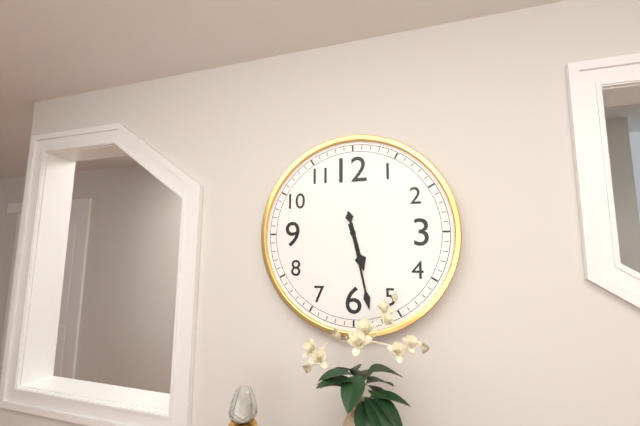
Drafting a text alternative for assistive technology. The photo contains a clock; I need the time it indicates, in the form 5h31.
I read 5h28
